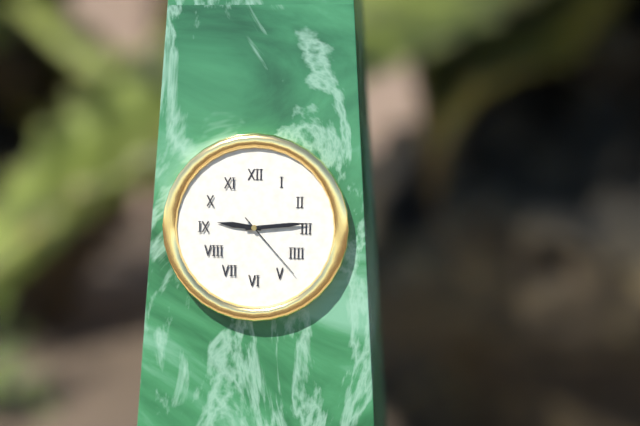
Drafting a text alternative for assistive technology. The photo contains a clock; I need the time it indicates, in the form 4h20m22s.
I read 9h14m23s
